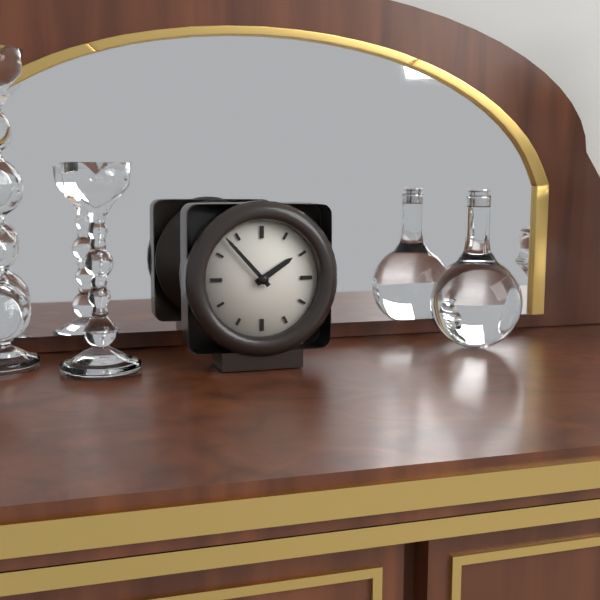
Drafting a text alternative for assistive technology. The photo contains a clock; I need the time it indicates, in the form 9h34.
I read 1h53
